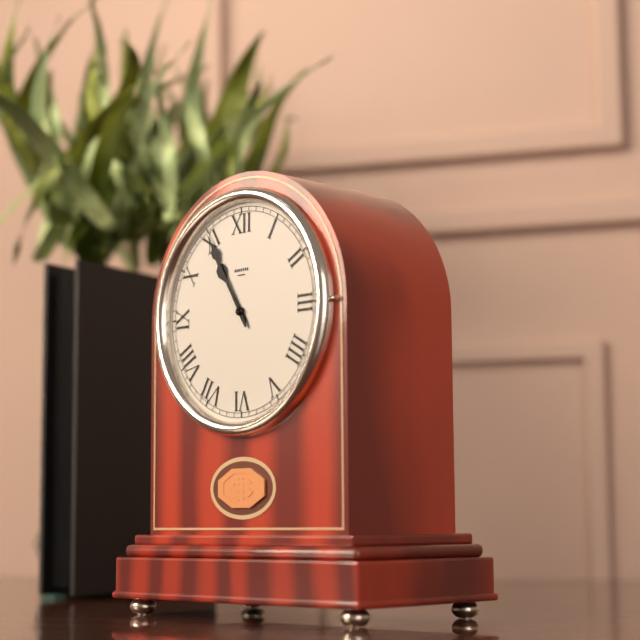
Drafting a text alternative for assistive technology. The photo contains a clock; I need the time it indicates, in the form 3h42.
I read 10h55
